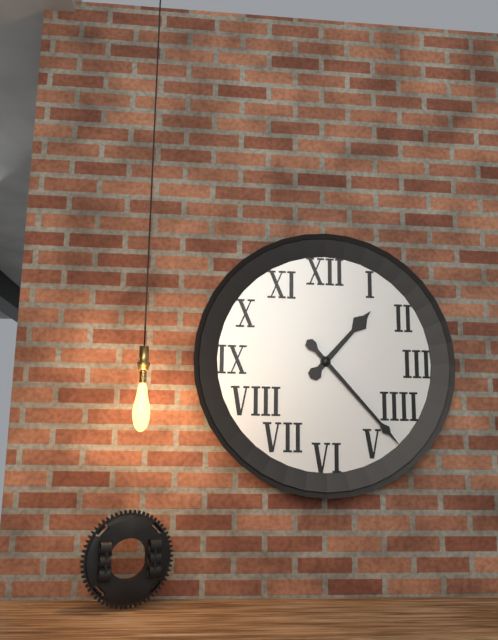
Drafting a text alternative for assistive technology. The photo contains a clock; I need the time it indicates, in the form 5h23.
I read 1h23
